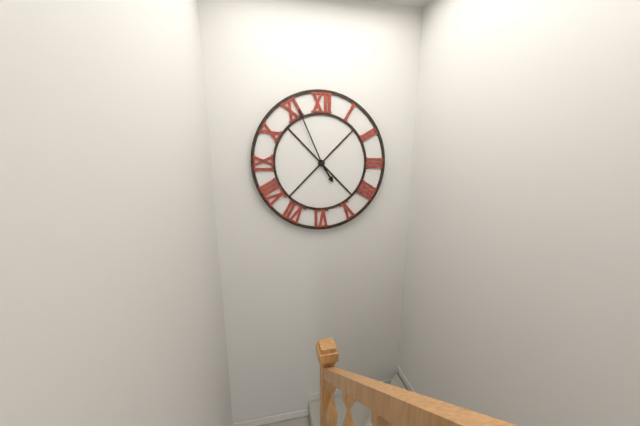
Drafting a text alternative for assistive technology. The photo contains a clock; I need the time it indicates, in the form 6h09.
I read 4h56
